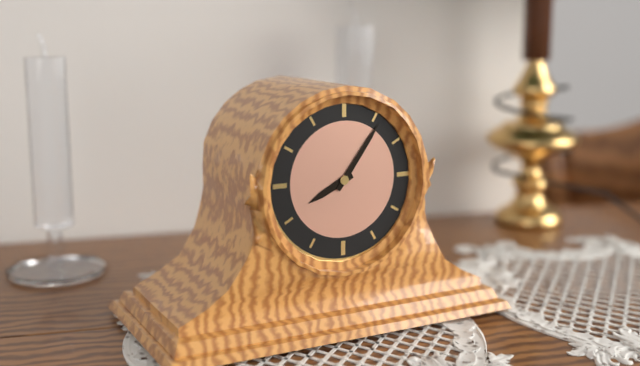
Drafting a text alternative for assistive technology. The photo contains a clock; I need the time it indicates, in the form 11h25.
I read 8h06
